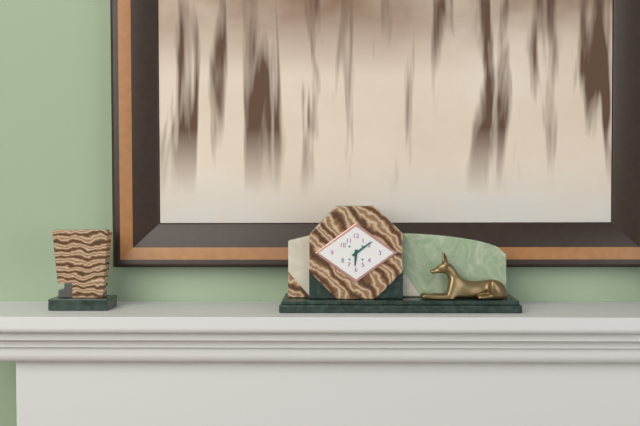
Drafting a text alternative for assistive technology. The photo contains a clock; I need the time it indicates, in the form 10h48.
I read 6h09
